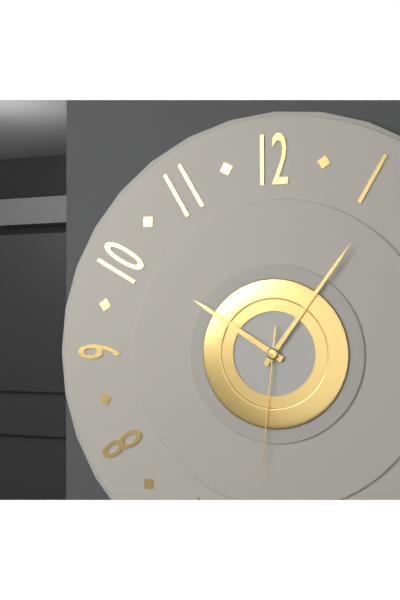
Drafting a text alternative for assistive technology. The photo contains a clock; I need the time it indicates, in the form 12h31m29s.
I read 10h06m31s
